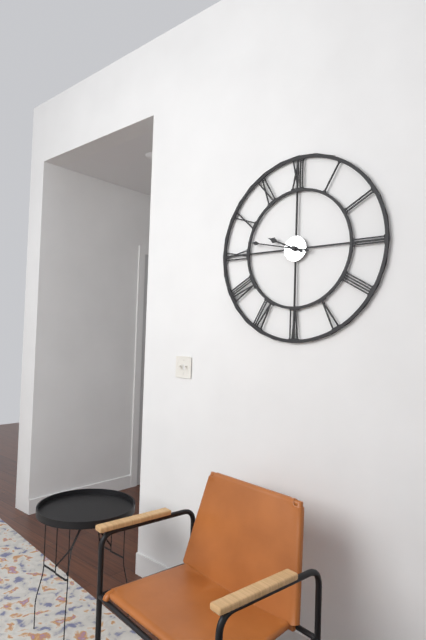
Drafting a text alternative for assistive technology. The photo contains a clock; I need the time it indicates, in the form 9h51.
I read 9h47
